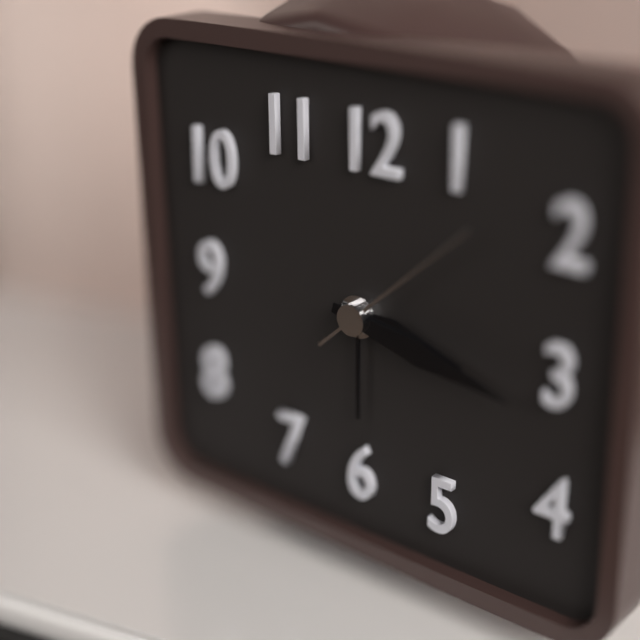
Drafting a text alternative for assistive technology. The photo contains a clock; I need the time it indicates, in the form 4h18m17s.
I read 3h17m08s
